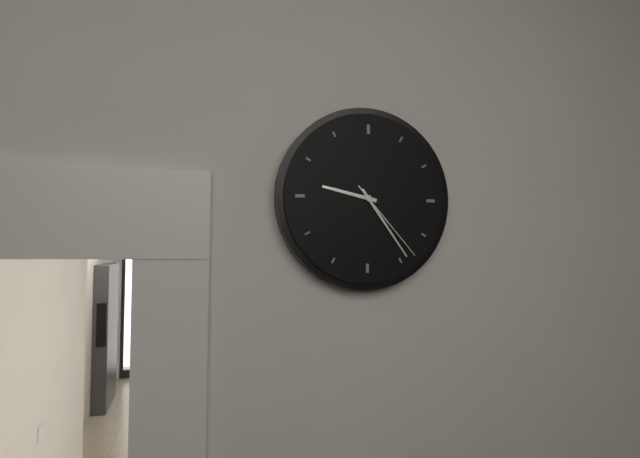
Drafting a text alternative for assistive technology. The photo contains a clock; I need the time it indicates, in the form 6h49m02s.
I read 9h24m23s
